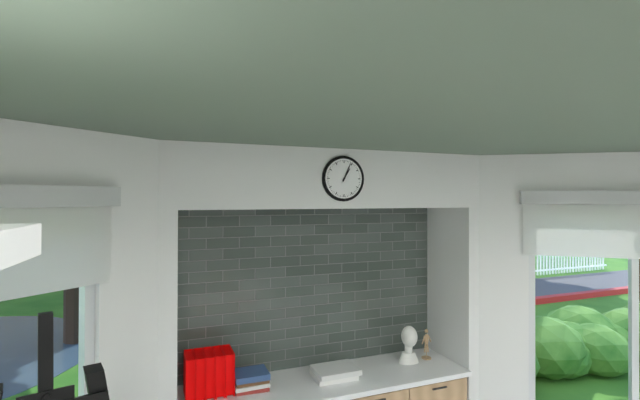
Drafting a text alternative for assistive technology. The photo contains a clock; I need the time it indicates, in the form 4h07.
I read 1h04
